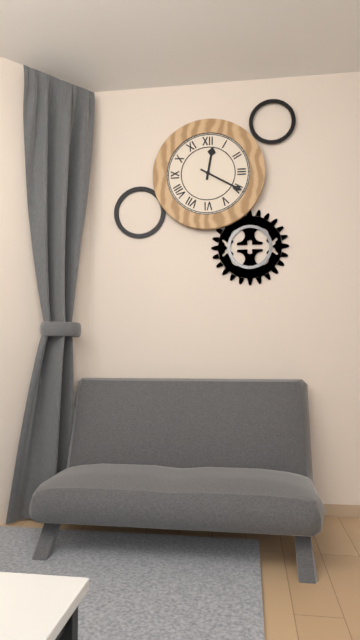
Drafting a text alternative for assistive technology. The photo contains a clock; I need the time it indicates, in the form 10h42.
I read 12h20
